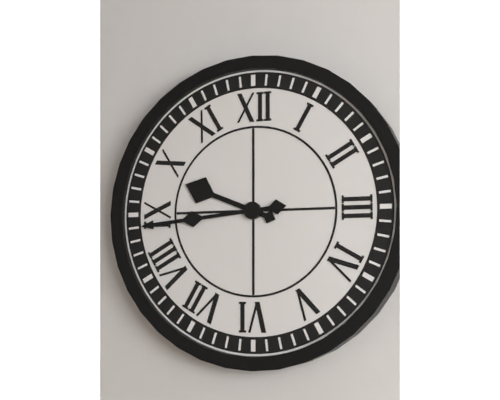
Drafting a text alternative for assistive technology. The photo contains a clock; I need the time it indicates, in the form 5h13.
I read 9h44
